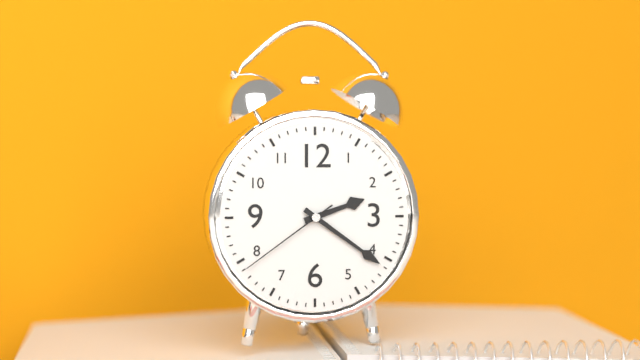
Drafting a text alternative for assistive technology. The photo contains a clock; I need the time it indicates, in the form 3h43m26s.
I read 2h21m39s
